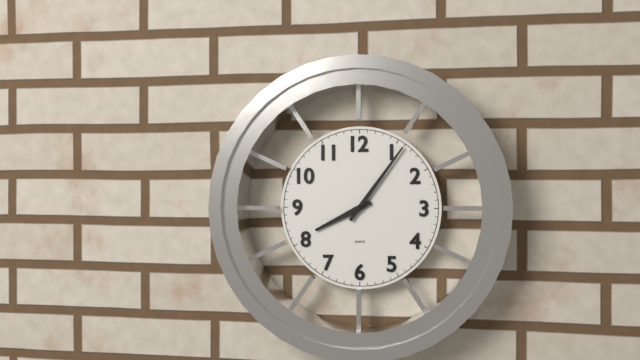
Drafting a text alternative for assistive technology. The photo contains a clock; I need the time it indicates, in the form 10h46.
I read 8h06
